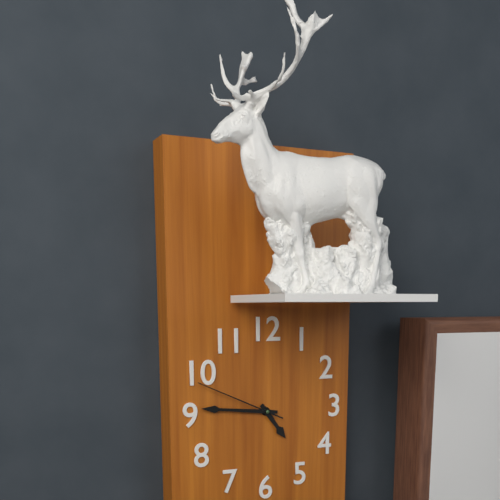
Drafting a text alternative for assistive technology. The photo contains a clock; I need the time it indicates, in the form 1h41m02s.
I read 4h46m49s
